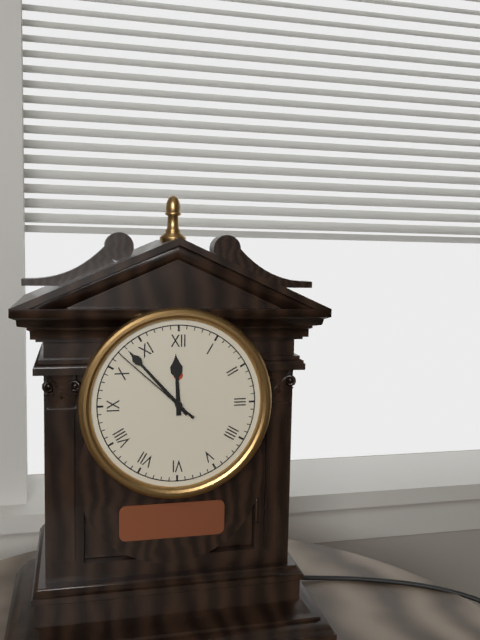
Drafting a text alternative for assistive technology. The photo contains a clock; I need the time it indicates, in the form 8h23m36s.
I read 11h53m52s
